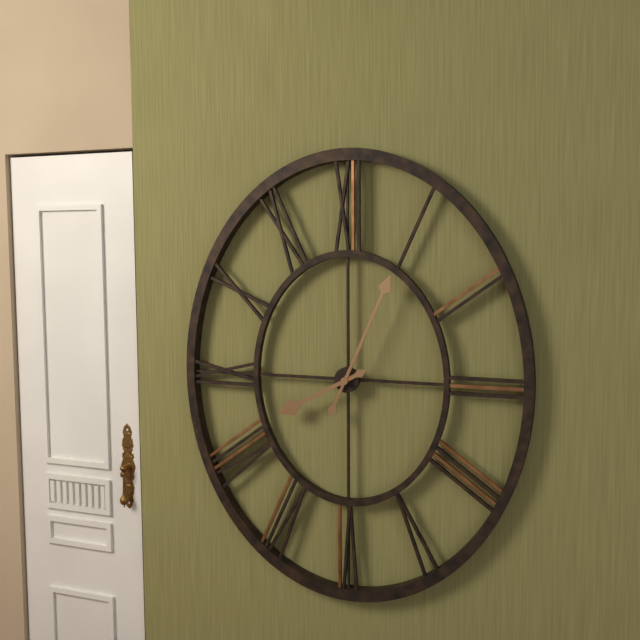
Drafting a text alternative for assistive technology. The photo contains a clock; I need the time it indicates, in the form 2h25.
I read 8h04
